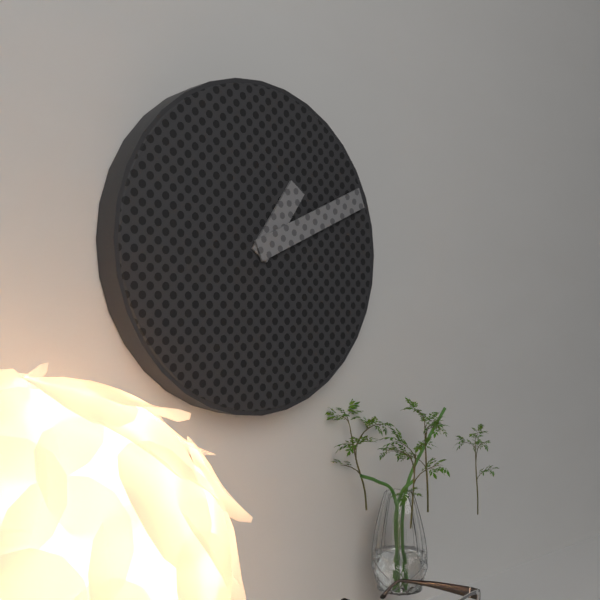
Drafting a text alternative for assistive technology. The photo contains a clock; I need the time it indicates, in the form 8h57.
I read 1h11
